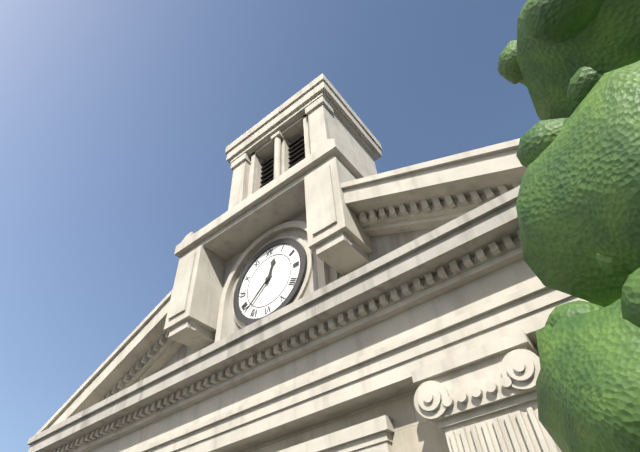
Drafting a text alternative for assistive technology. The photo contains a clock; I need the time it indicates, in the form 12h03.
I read 12h38
